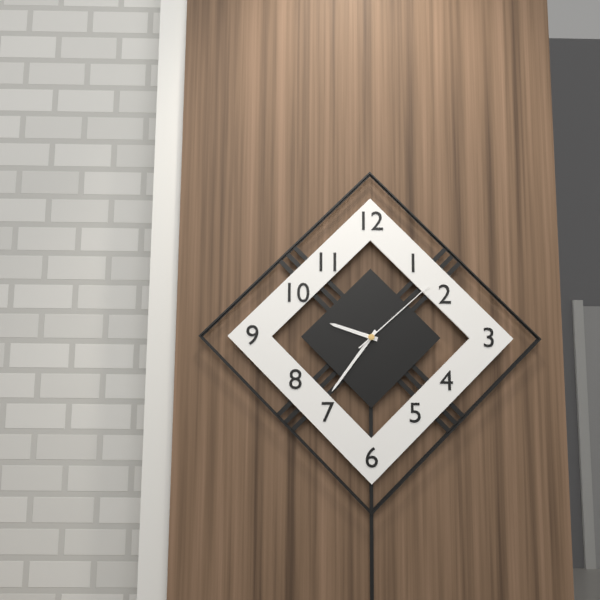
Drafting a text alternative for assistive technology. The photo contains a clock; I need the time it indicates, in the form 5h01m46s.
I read 9h36m08s
